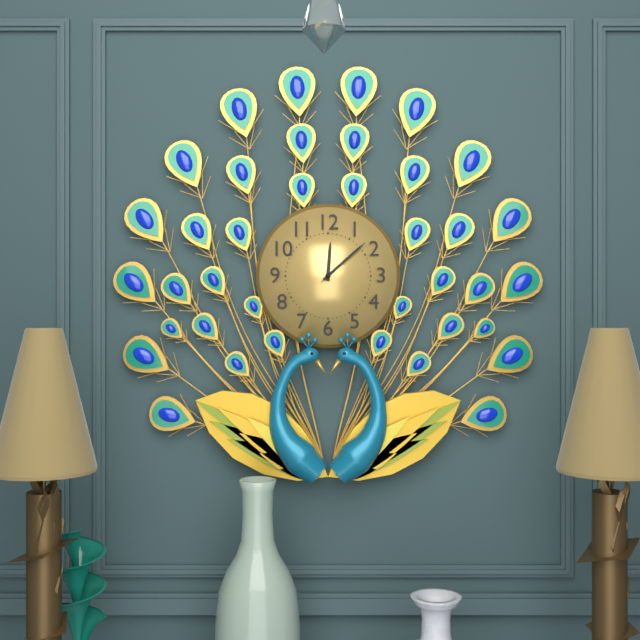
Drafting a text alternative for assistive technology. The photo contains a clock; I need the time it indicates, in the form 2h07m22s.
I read 12h08m08s
